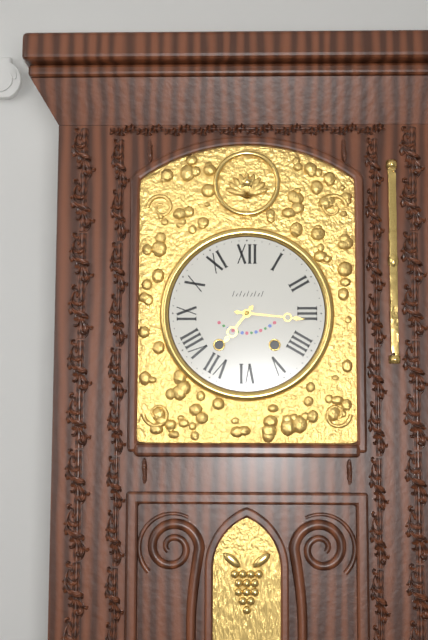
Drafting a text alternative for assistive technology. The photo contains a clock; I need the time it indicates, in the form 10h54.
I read 7h16
